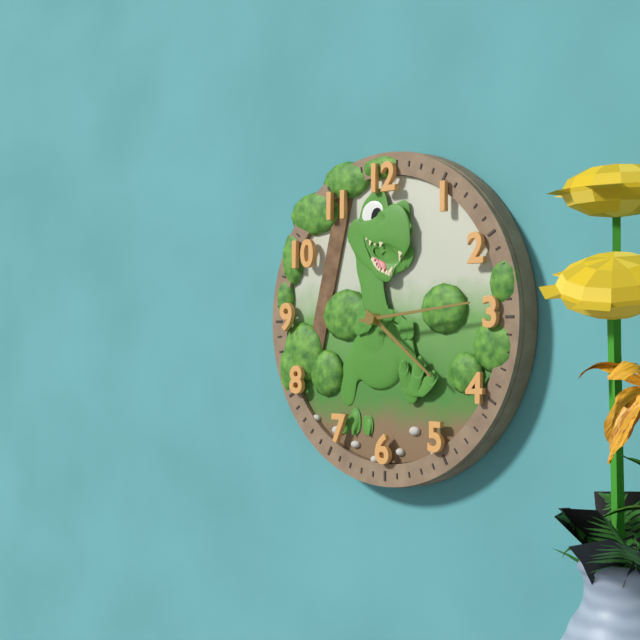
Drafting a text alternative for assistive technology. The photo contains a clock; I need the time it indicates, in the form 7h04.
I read 4h14
